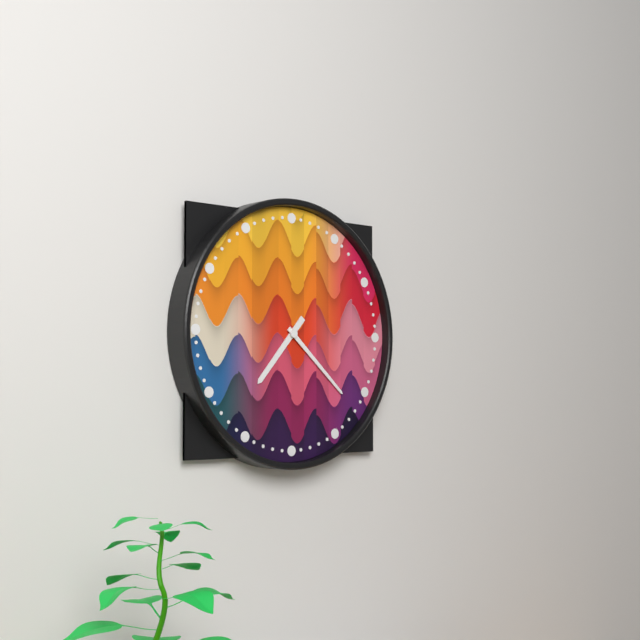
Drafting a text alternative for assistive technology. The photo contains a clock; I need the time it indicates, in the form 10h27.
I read 7h22
